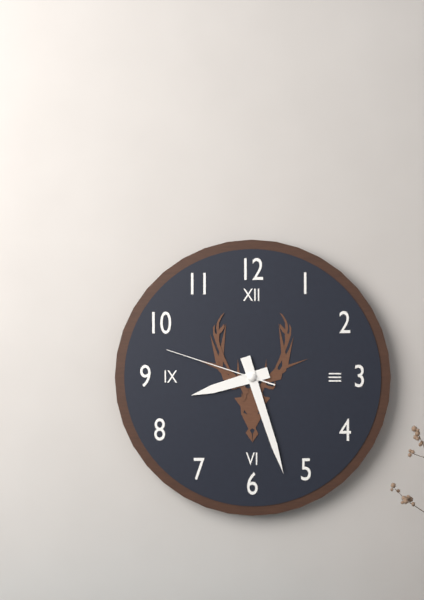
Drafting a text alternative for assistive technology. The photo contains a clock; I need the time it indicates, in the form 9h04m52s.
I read 8h27m48s
